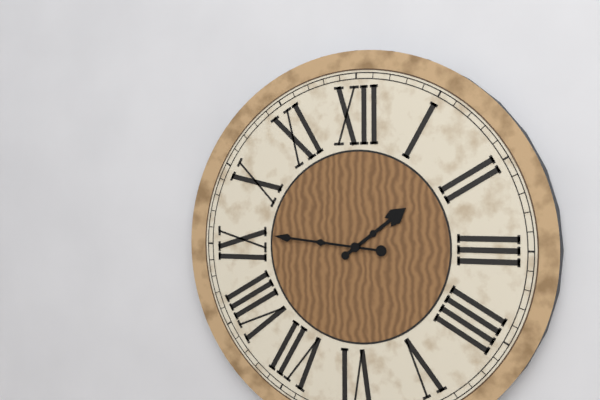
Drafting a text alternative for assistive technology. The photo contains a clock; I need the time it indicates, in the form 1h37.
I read 1h46
